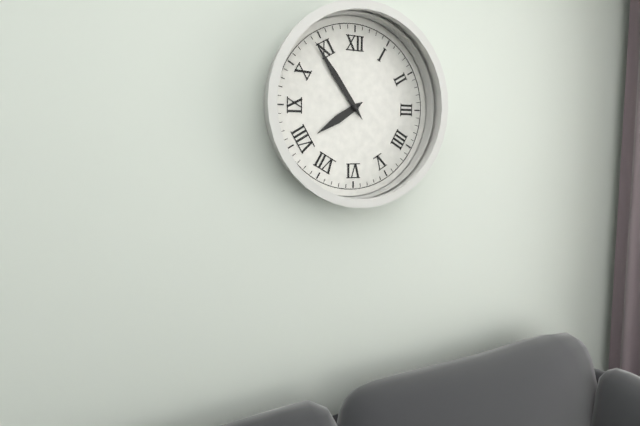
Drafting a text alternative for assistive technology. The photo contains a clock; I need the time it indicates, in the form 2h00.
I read 7h54
